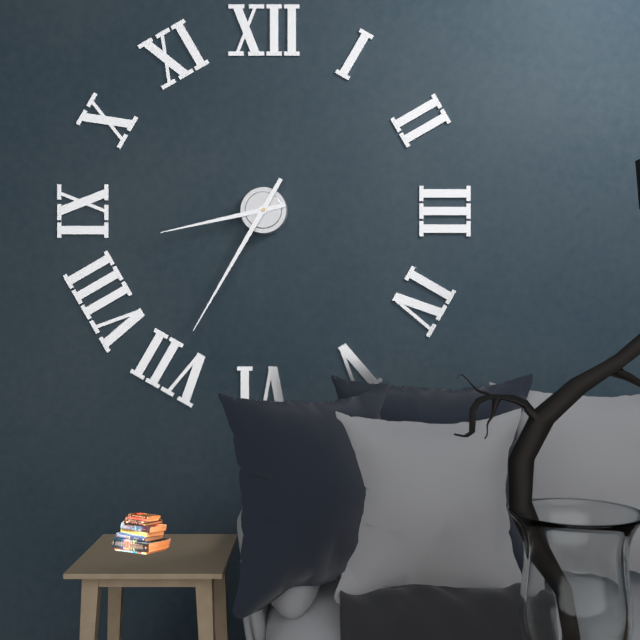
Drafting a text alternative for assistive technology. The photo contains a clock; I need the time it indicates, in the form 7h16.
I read 8h35
